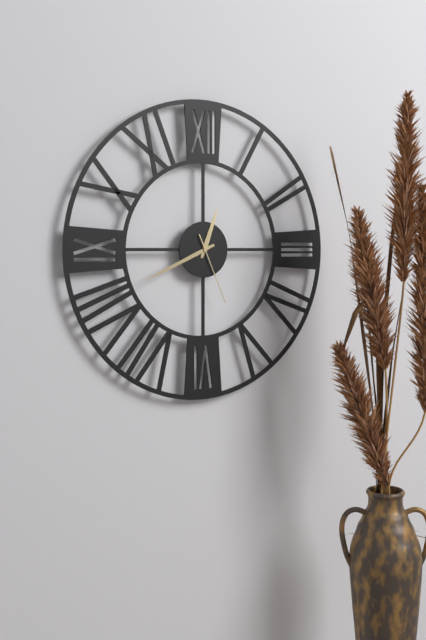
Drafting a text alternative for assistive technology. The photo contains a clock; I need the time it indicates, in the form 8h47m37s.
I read 12h41m26s
